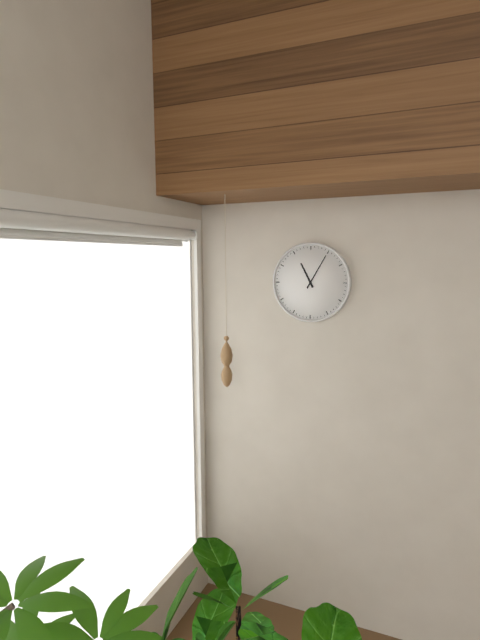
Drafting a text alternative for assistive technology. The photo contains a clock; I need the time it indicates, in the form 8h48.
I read 11h05
